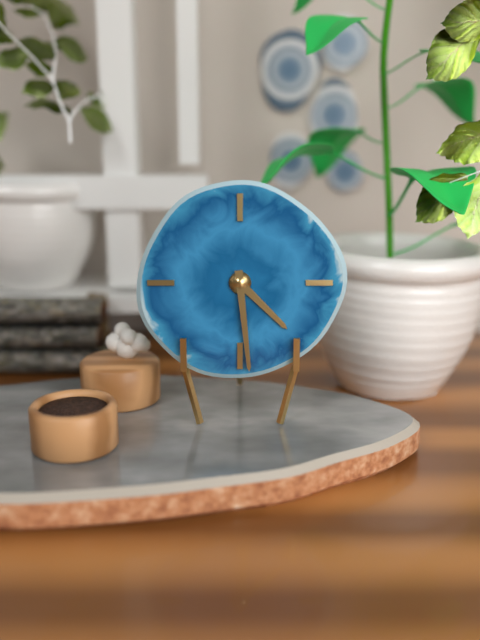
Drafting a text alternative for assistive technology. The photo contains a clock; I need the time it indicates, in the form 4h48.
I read 4h29
